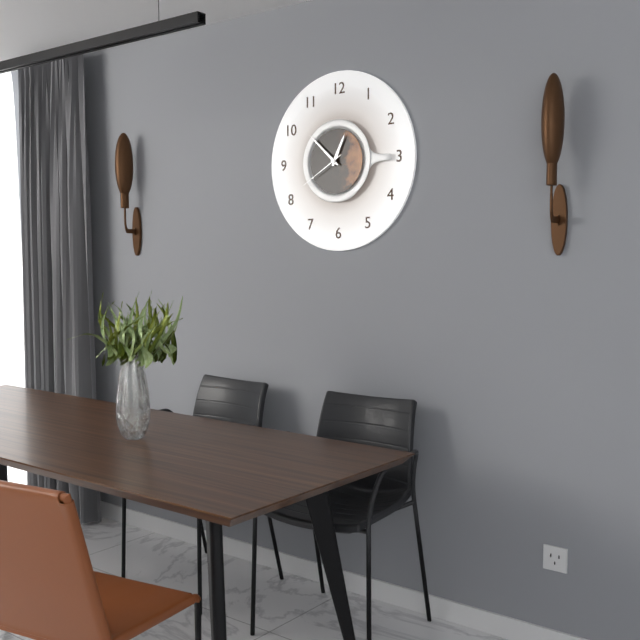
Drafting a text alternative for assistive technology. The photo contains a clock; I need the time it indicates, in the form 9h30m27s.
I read 12h52m40s
